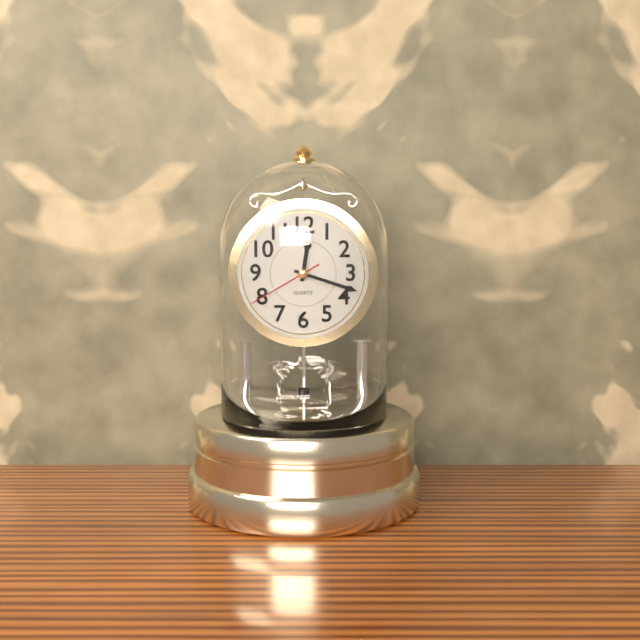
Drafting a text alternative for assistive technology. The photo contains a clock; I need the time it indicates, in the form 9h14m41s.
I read 12h18m40s
